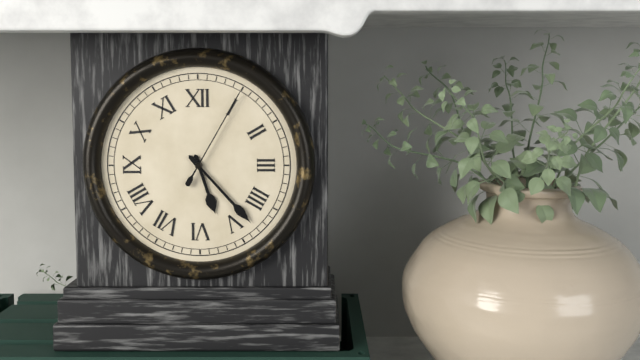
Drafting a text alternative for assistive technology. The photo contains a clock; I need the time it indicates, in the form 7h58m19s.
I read 5h23m05s
